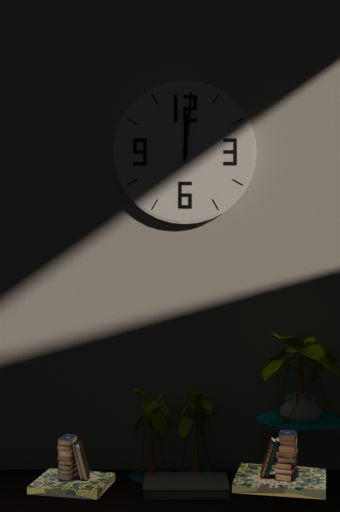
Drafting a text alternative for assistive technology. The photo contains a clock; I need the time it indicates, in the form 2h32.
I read 12h01
